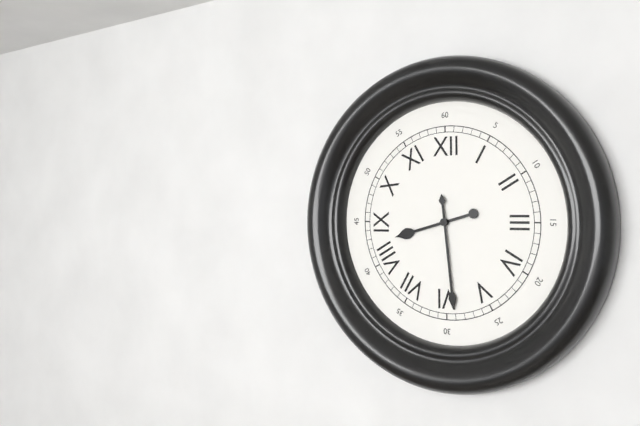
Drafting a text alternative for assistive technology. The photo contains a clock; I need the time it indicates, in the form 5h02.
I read 8h29
